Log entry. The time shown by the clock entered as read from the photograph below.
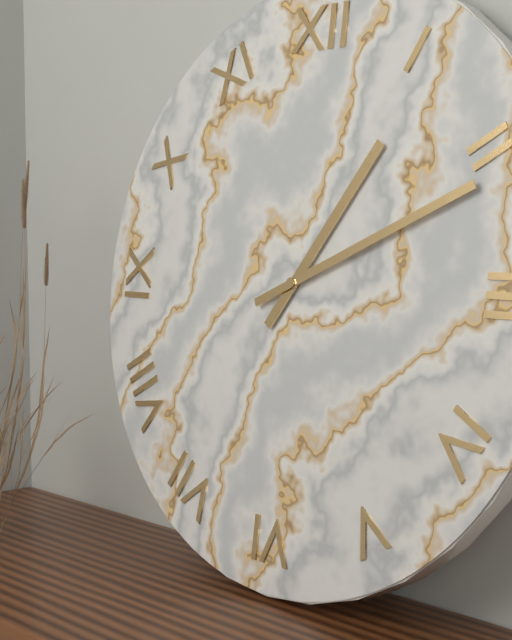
1:11
